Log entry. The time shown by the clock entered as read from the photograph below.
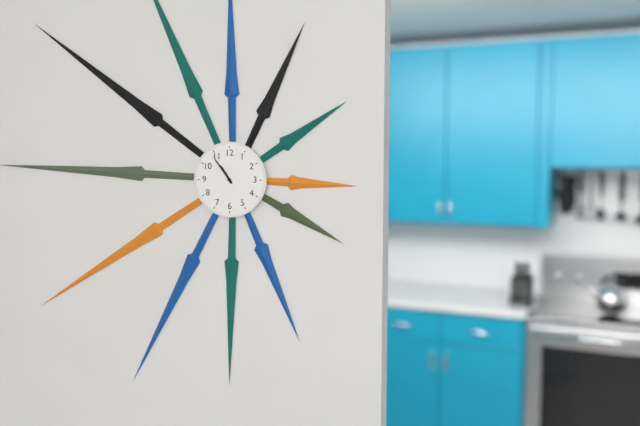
10:54
